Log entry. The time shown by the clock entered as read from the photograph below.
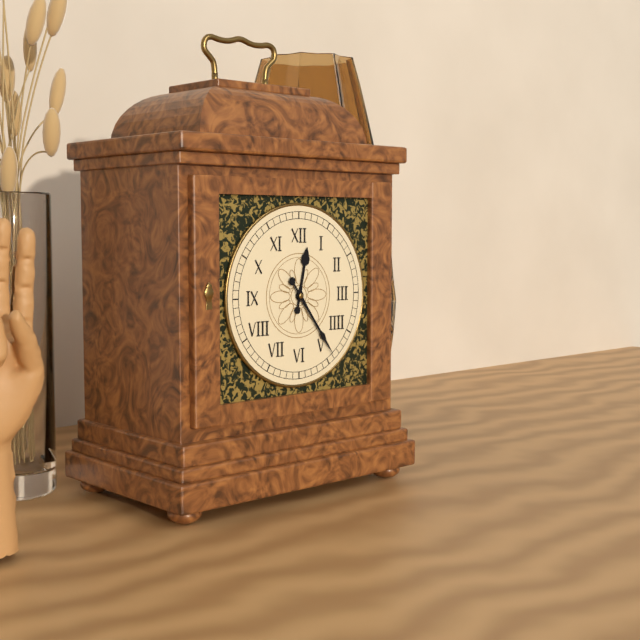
12:24
